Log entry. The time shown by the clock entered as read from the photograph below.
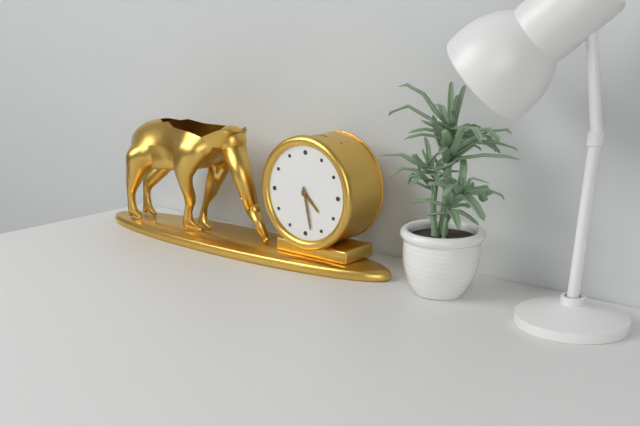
4:28
